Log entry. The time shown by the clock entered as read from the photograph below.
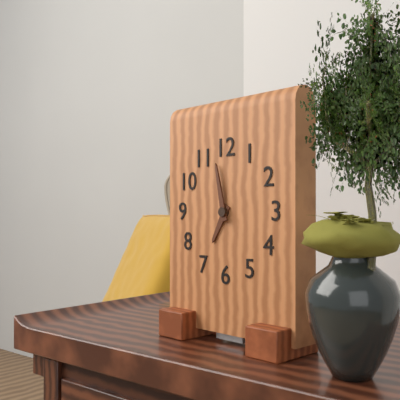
6:58
